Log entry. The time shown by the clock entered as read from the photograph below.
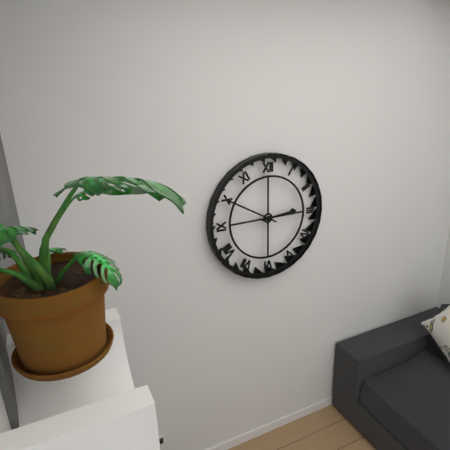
2:50
